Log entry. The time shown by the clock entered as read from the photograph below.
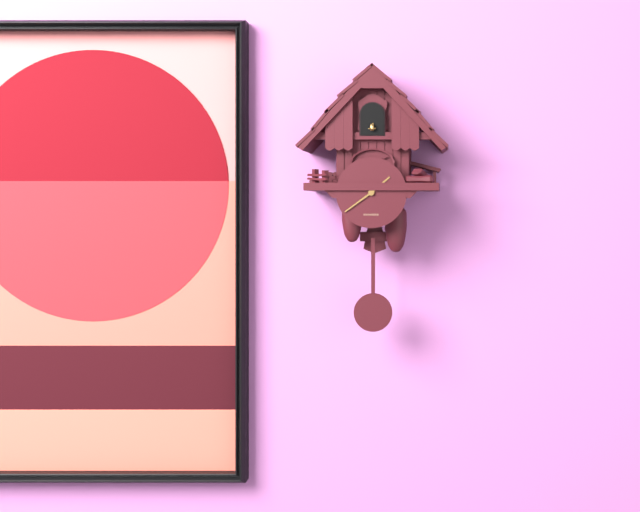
1:39
